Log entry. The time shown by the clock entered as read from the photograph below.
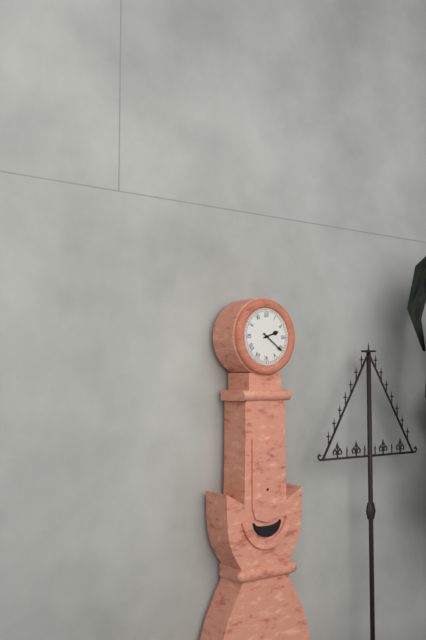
2:21
